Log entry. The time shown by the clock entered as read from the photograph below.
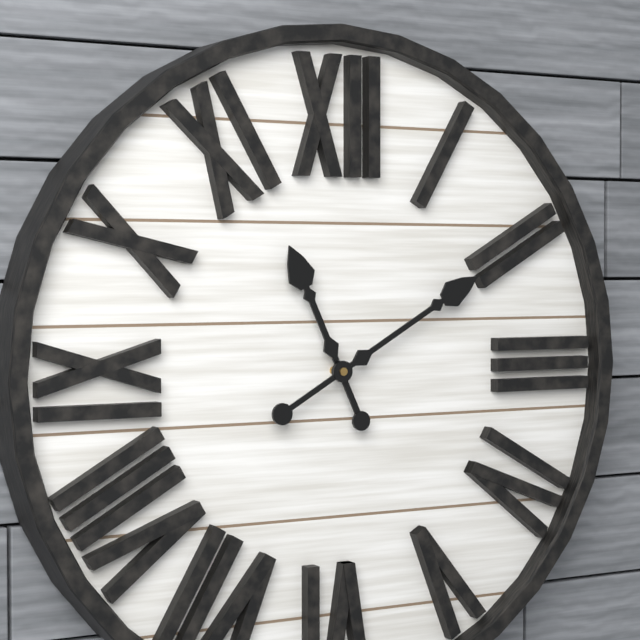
11:10
